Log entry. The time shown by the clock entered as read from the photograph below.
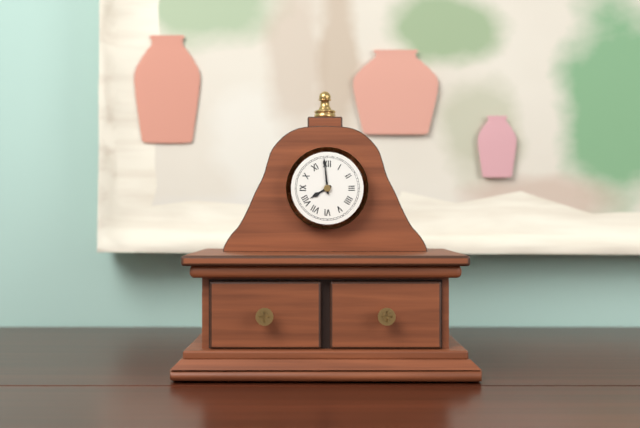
7:59
